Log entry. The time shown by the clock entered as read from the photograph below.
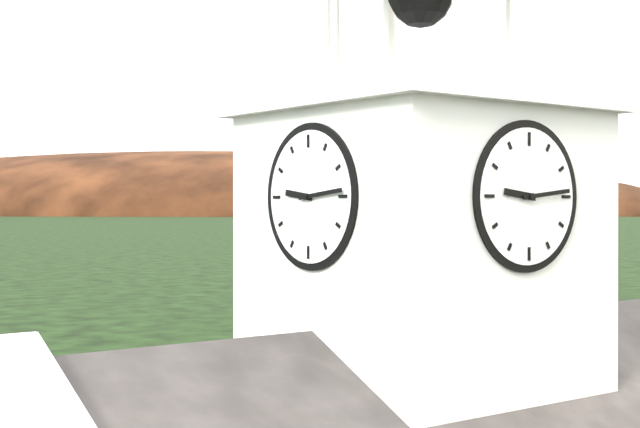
9:14
